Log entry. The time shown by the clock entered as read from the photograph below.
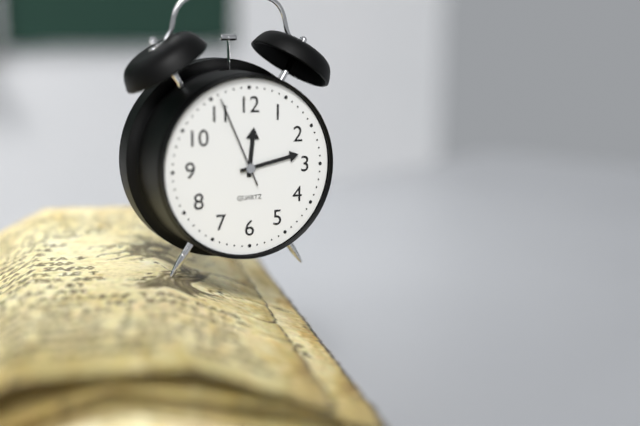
12:13:56
